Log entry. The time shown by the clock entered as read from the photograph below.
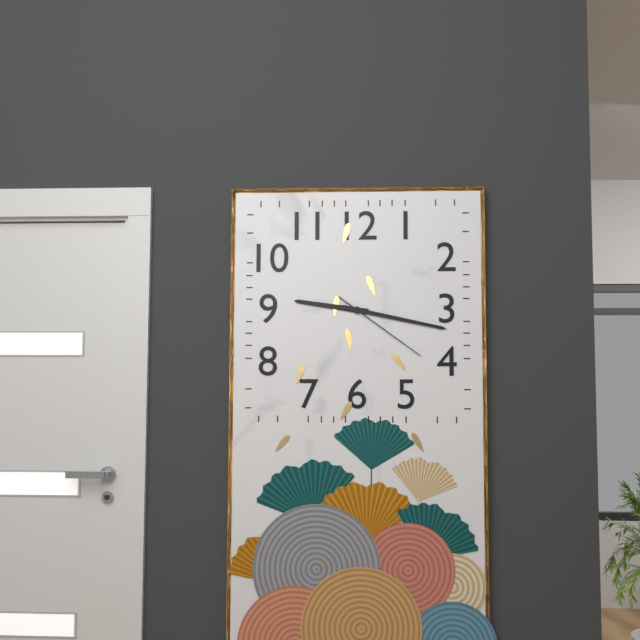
9:17:21
